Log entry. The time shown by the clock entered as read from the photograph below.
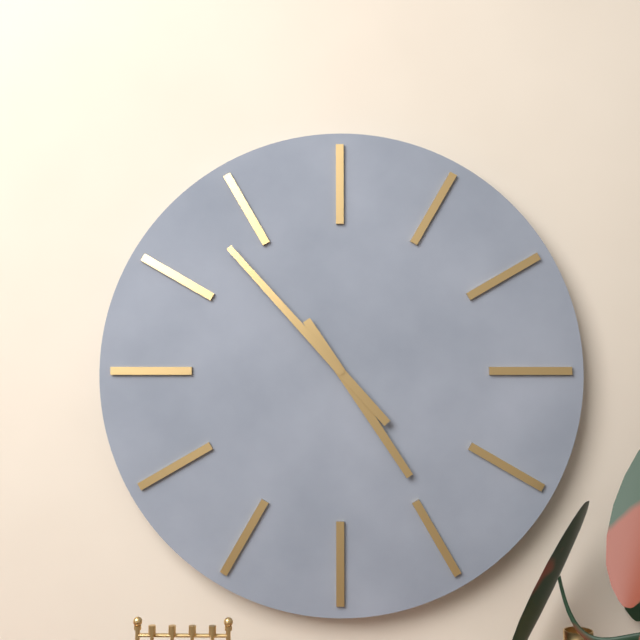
4:53
